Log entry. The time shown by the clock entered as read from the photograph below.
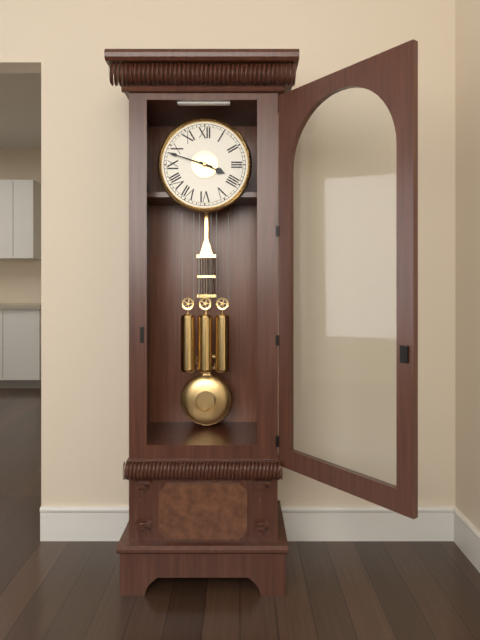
3:48
